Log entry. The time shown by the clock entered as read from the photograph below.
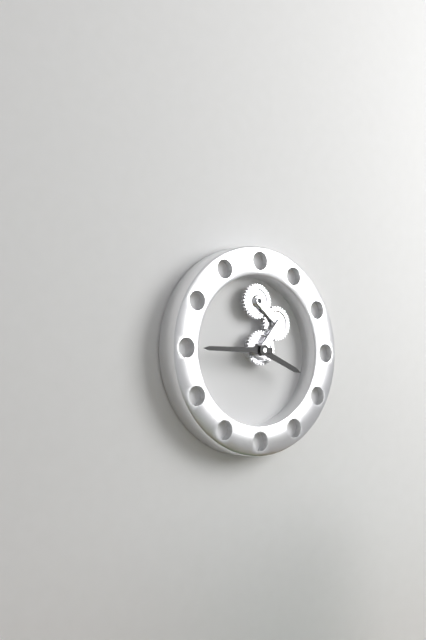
3:45
